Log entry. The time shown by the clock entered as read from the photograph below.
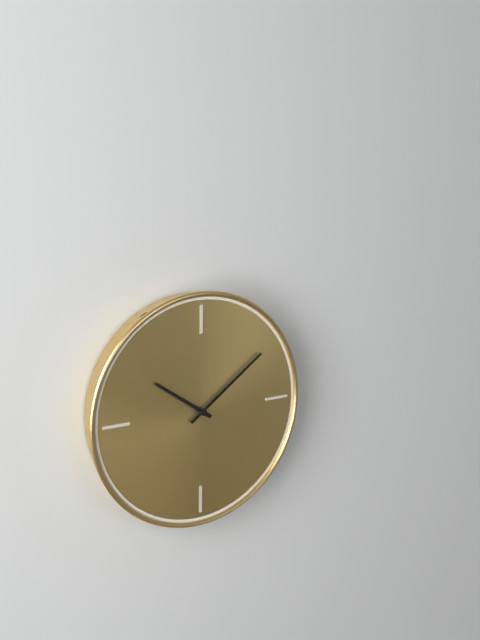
10:09
